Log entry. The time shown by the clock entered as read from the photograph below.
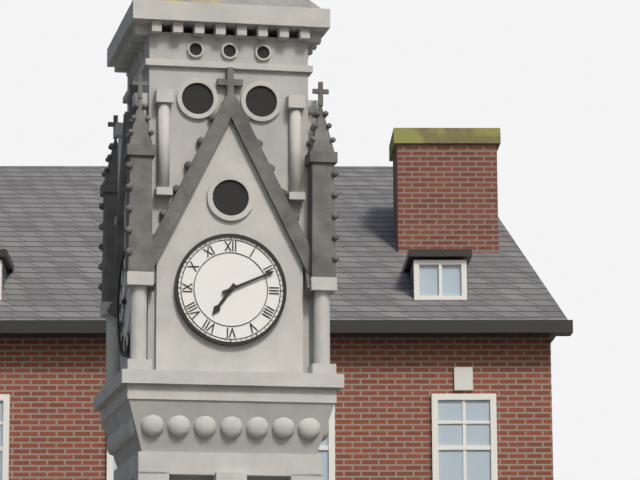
7:11
